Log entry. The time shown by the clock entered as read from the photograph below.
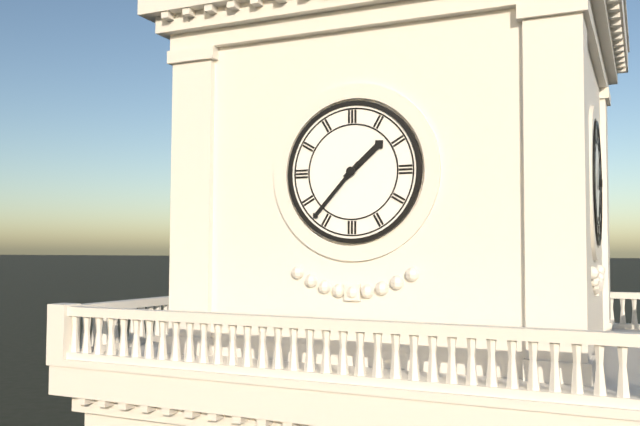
1:37
